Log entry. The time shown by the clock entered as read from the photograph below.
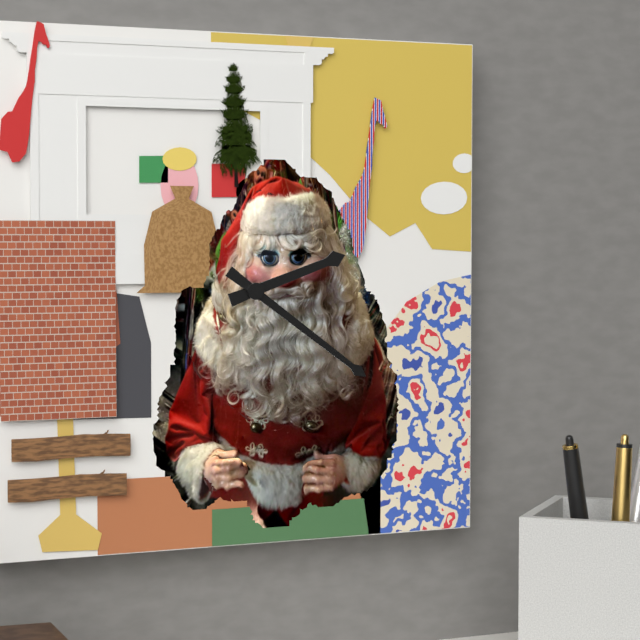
2:21
